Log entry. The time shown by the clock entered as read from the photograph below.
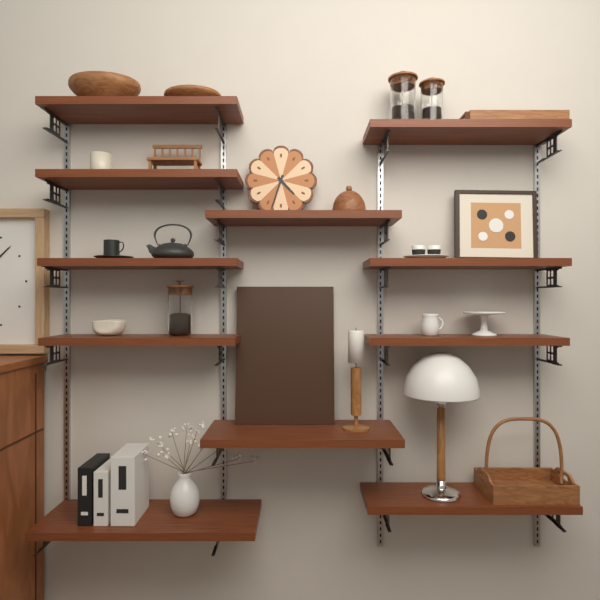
4:33
